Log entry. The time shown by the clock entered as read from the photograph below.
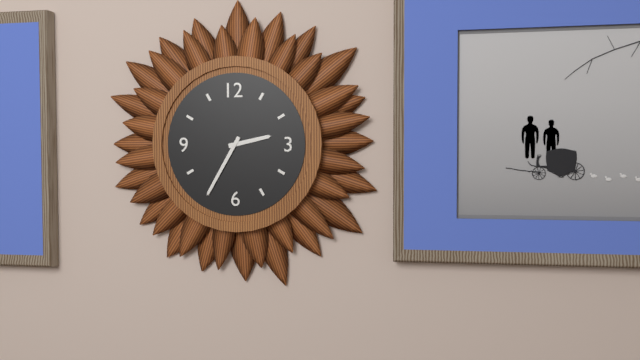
2:35
